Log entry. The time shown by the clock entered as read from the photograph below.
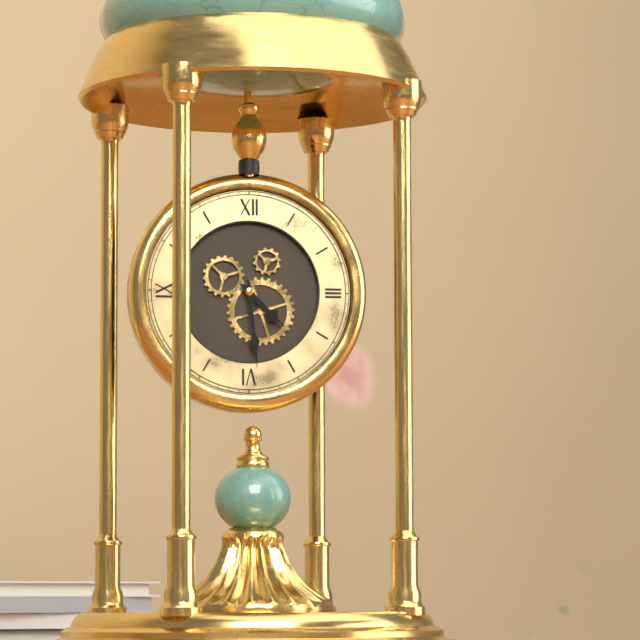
4:29
